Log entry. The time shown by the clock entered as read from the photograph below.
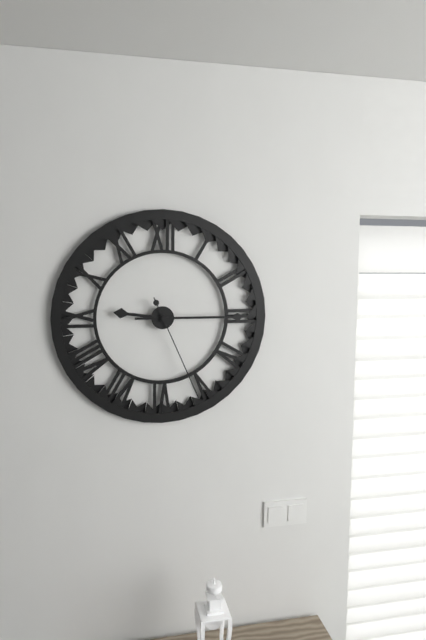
9:15:26
